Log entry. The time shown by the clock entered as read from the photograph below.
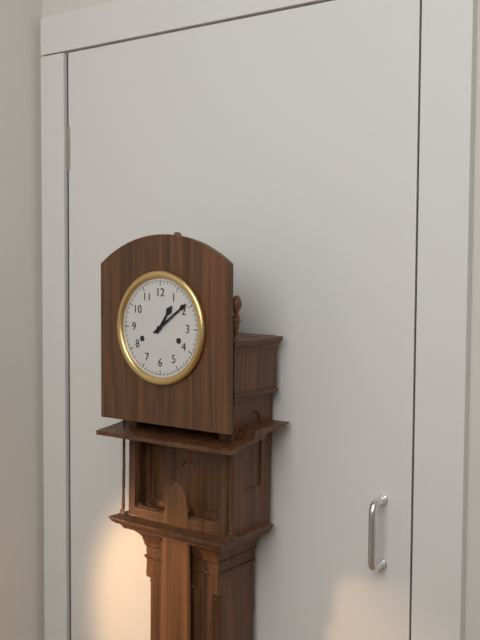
1:09
